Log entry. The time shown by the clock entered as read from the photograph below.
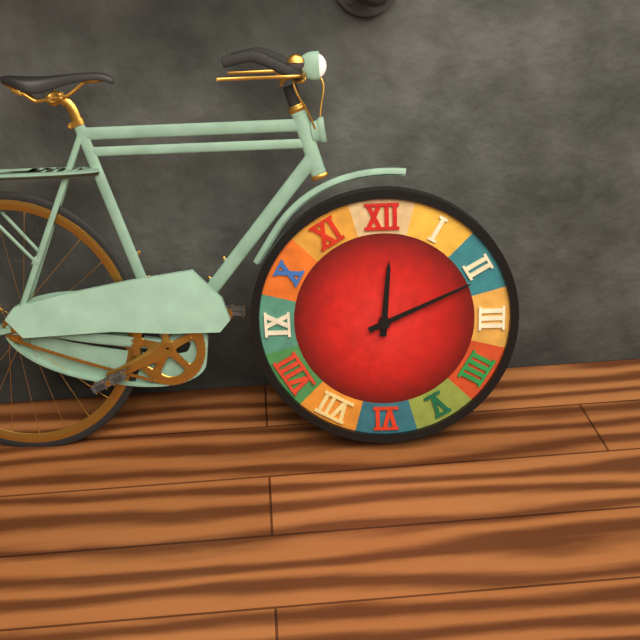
12:11
